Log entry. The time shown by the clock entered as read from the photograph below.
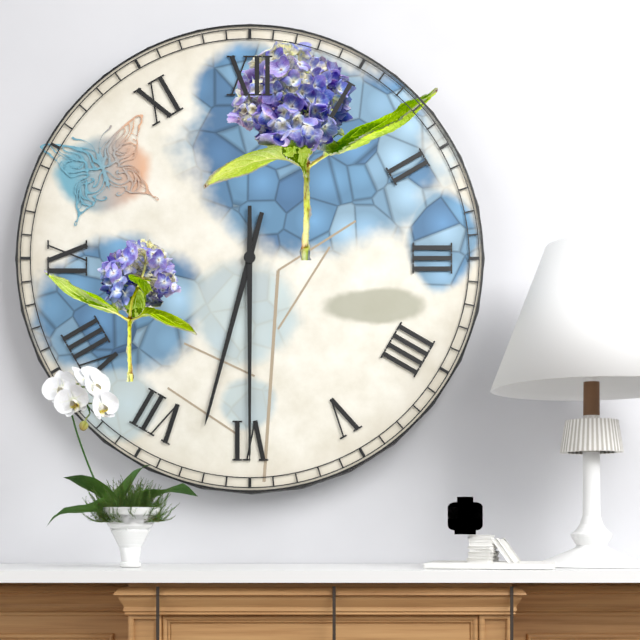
6:30
